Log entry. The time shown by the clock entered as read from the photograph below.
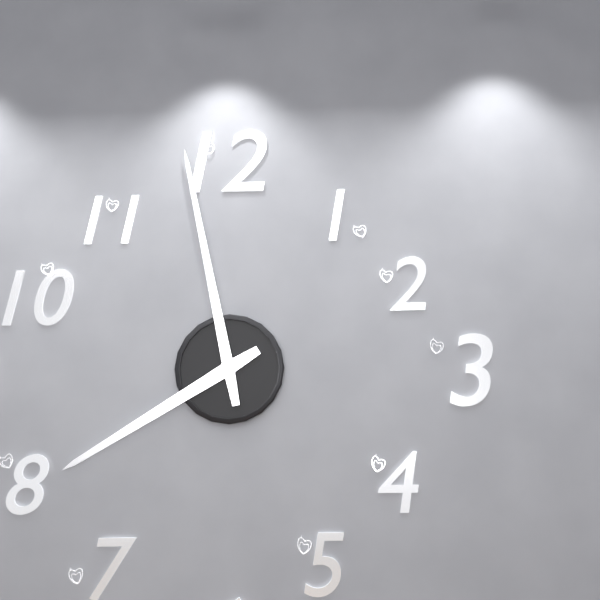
7:58
